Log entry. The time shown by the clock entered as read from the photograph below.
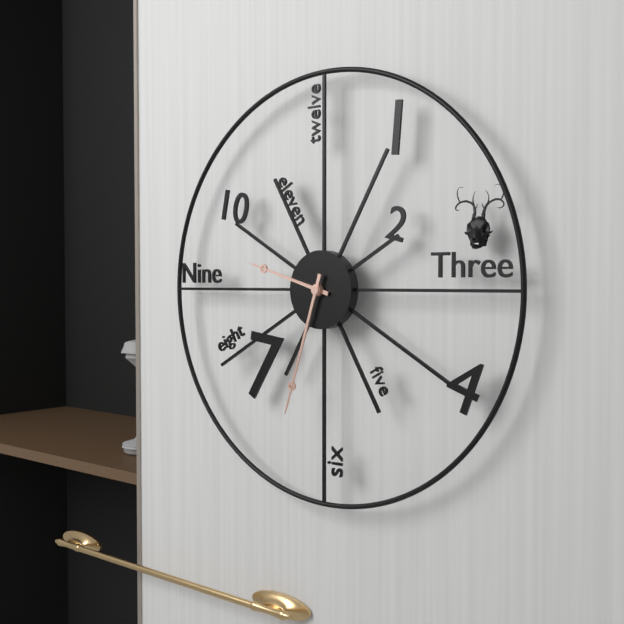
9:33
